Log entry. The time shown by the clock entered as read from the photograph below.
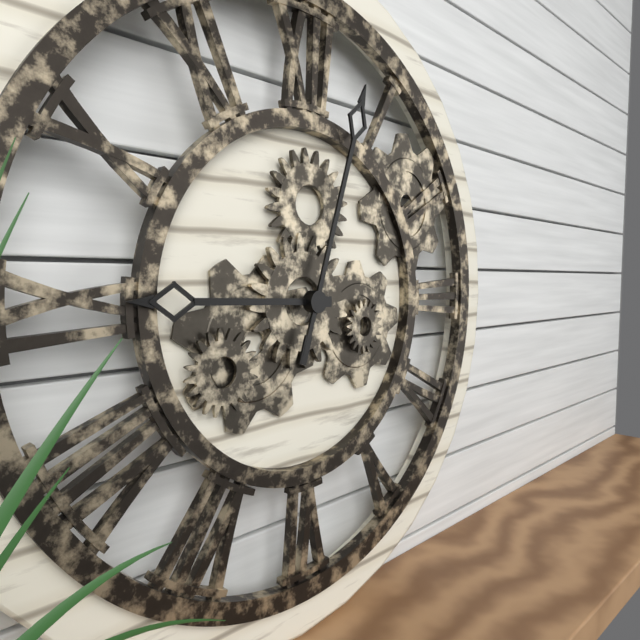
9:03
